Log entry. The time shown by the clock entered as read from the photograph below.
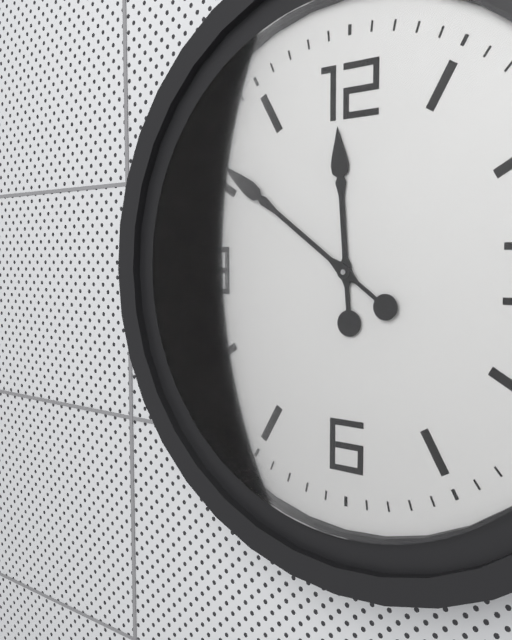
11:51
